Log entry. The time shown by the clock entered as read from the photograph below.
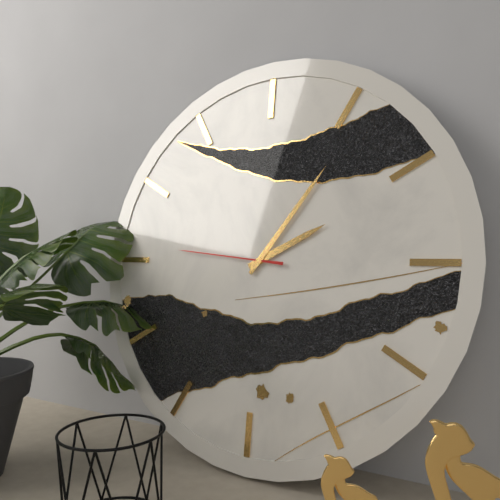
2:06:46
